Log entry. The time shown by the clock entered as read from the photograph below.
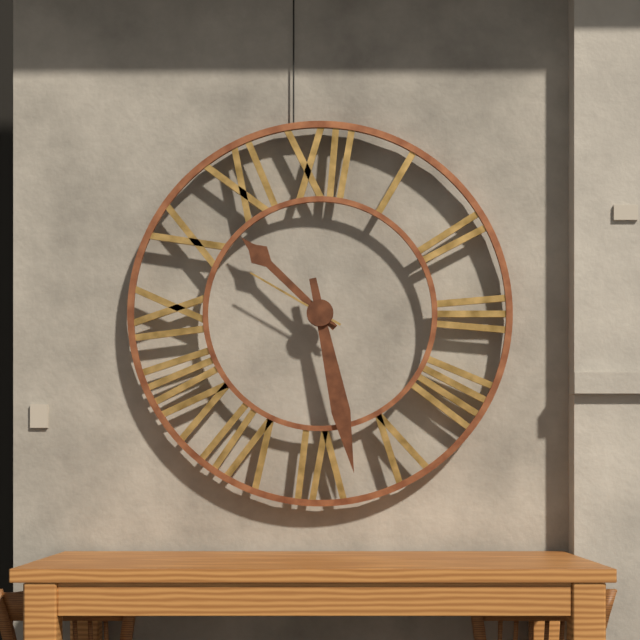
10:28:50
